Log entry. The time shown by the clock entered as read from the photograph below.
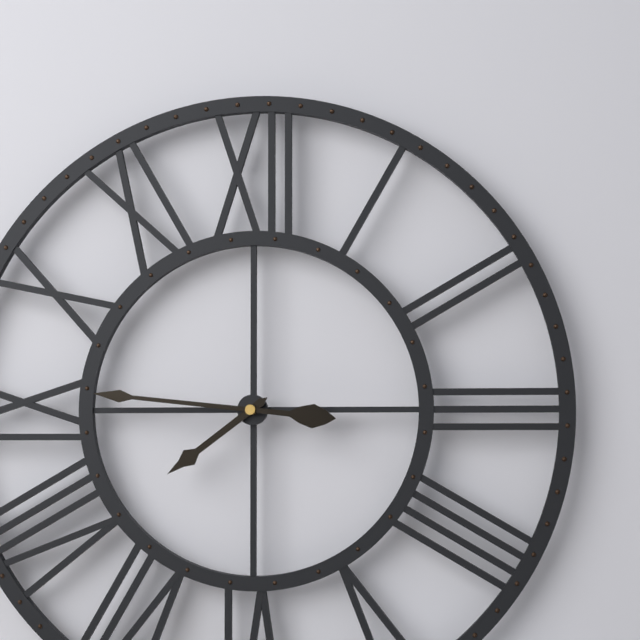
7:46
